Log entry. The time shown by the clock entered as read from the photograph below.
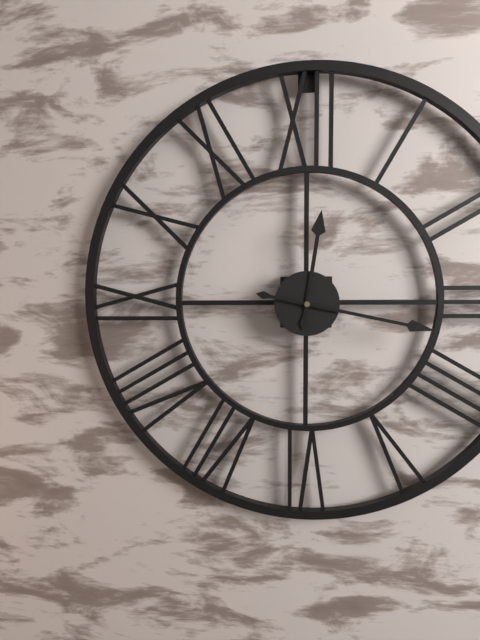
12:17
